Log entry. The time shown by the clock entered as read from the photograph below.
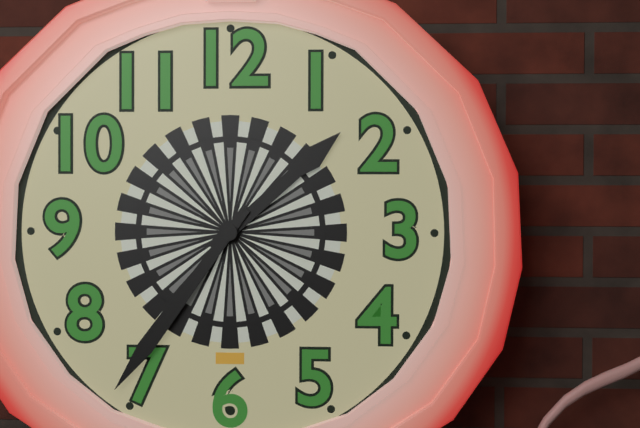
1:36
